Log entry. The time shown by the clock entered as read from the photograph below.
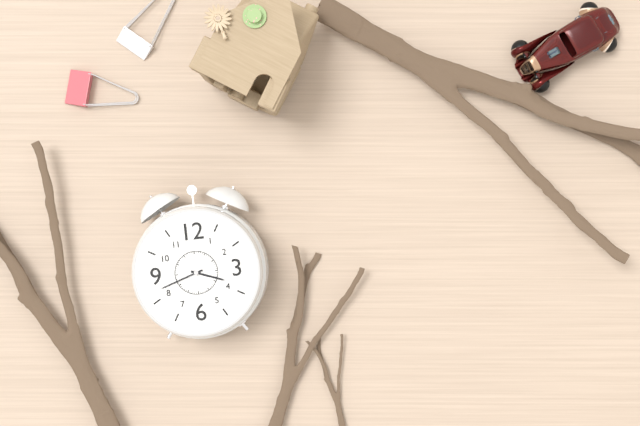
3:42
